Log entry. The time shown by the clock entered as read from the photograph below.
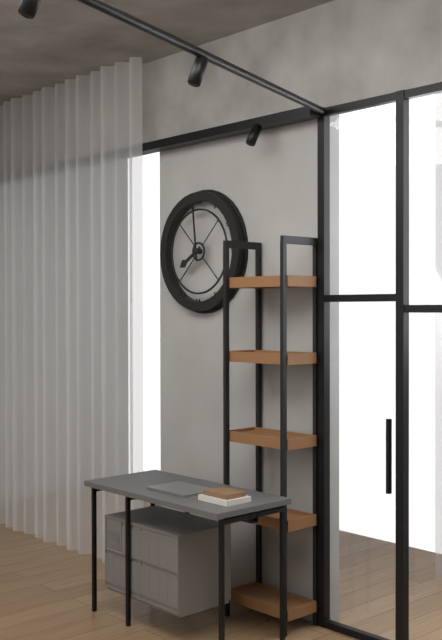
7:59
